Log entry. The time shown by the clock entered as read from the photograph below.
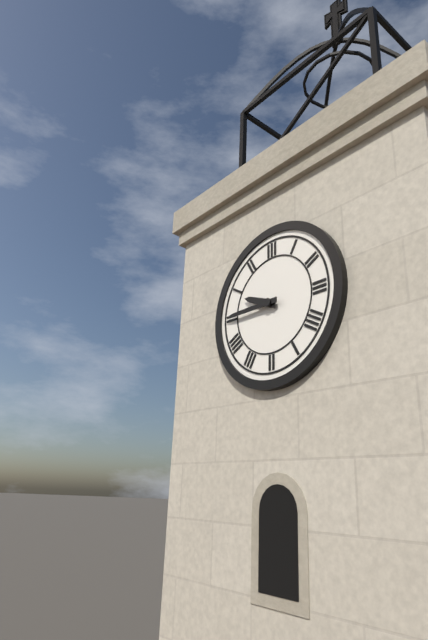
9:45
